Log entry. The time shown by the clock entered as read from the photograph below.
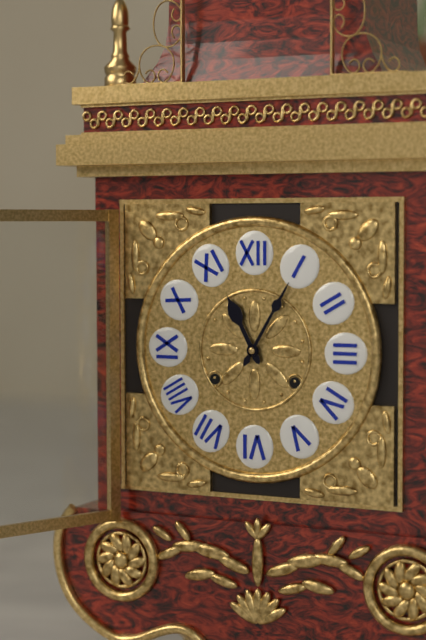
11:05
